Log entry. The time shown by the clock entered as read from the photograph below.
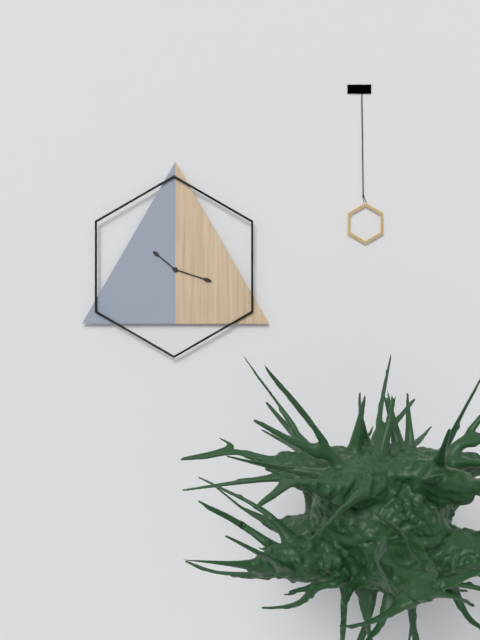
10:18
